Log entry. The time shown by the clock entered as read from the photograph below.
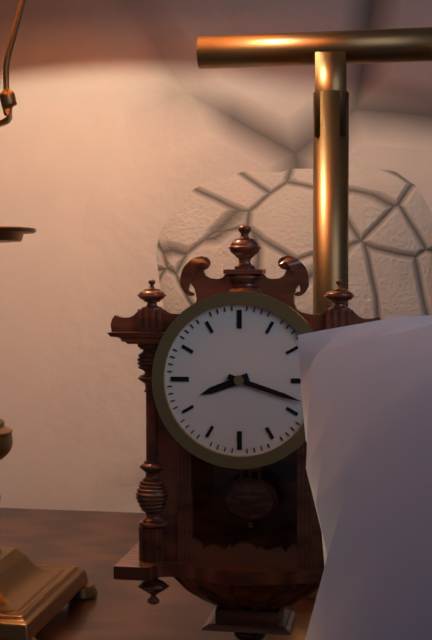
8:18
